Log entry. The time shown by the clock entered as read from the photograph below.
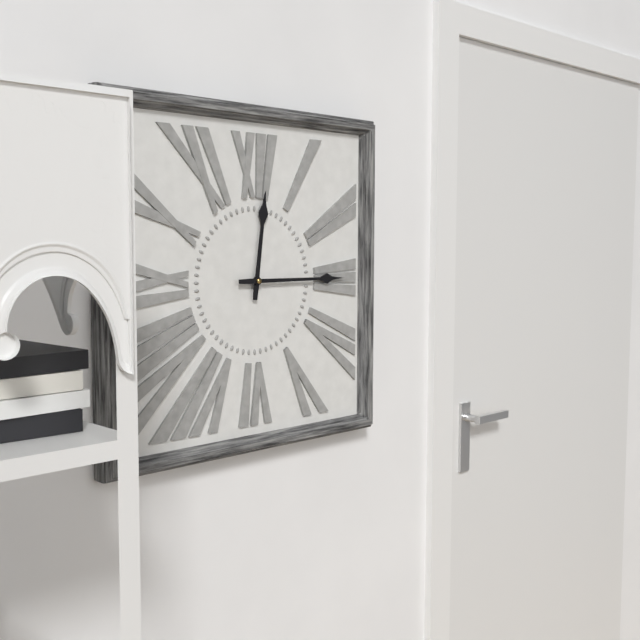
12:15
